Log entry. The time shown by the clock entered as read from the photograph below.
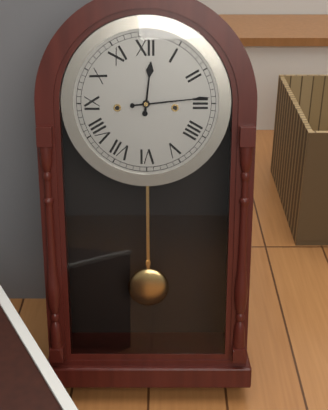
12:14
